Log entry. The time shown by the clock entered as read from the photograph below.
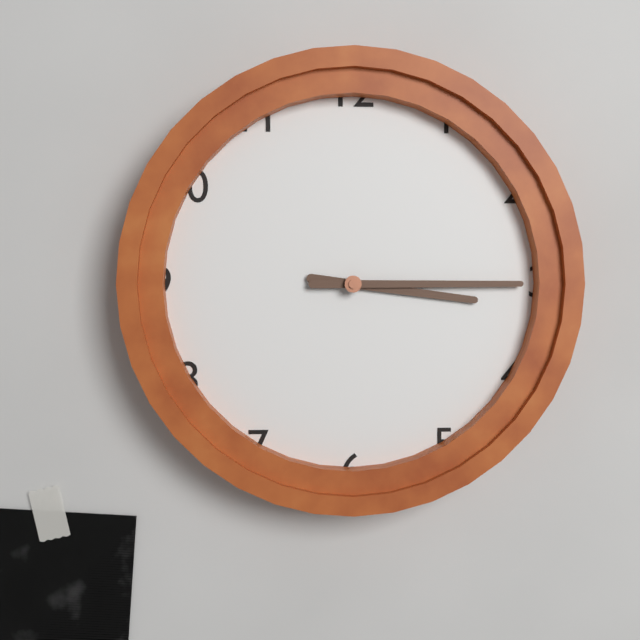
3:15
